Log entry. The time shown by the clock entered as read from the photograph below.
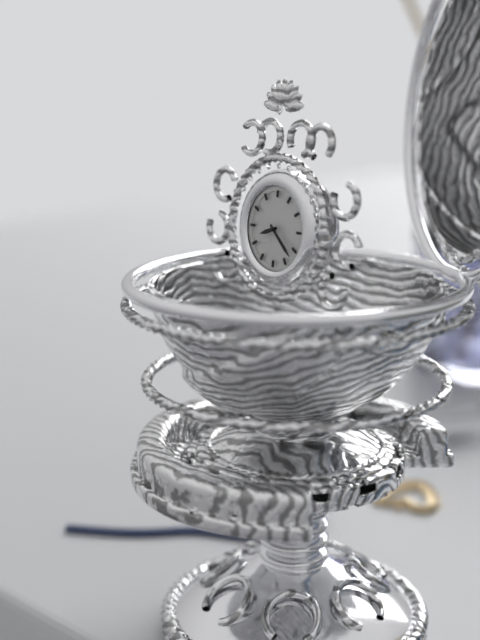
8:22
